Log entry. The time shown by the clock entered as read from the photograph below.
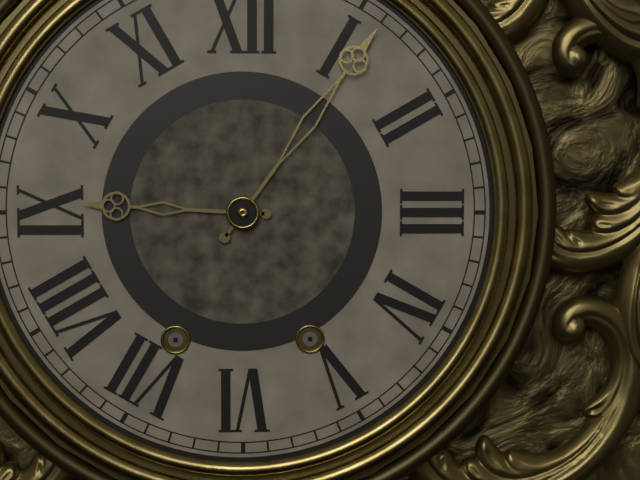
9:06
